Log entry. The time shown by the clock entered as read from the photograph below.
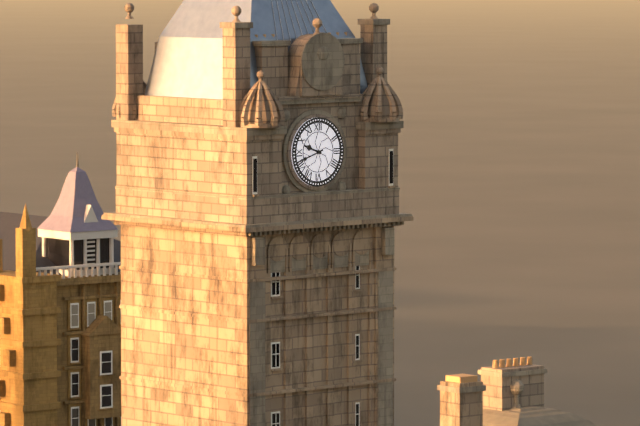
9:42
